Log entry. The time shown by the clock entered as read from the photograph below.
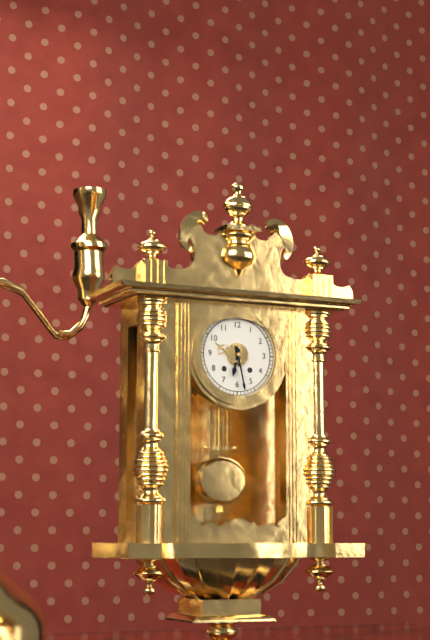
6:28
